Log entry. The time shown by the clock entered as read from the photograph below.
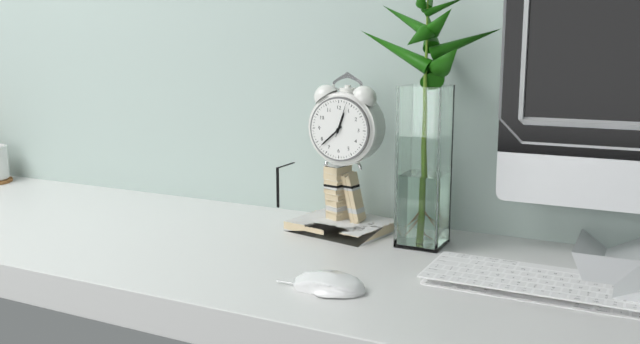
12:38
